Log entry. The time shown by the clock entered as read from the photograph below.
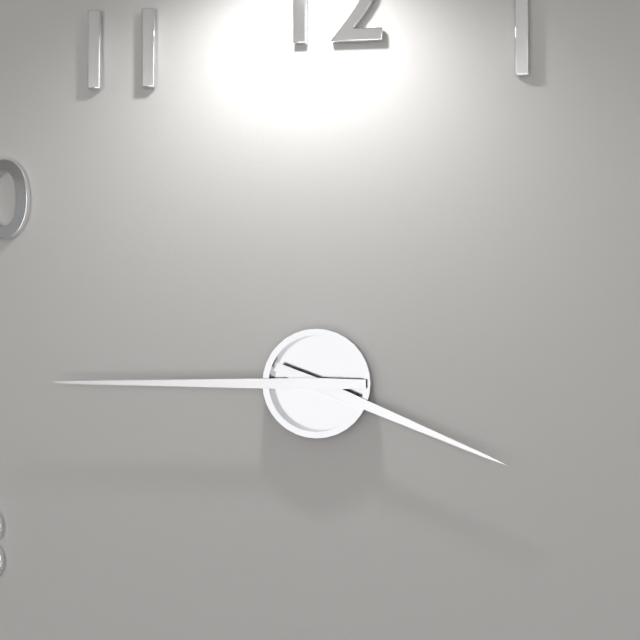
3:45
